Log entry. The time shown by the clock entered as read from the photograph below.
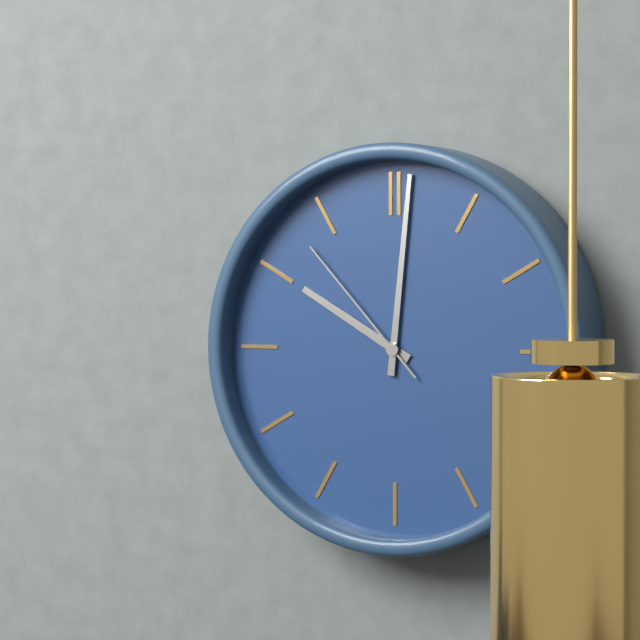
10:01:53
